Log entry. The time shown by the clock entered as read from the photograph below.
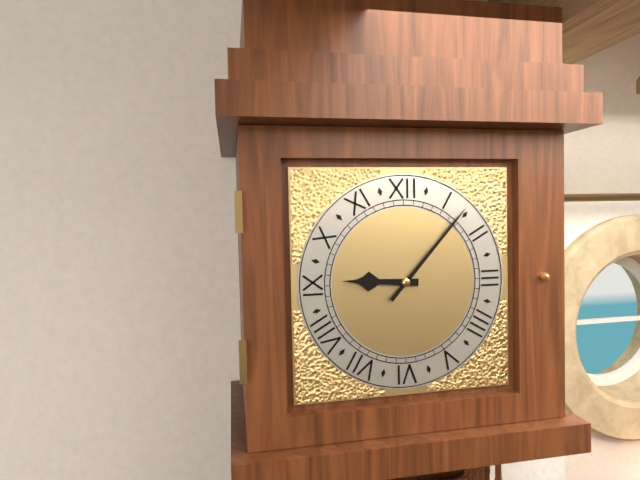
9:07
